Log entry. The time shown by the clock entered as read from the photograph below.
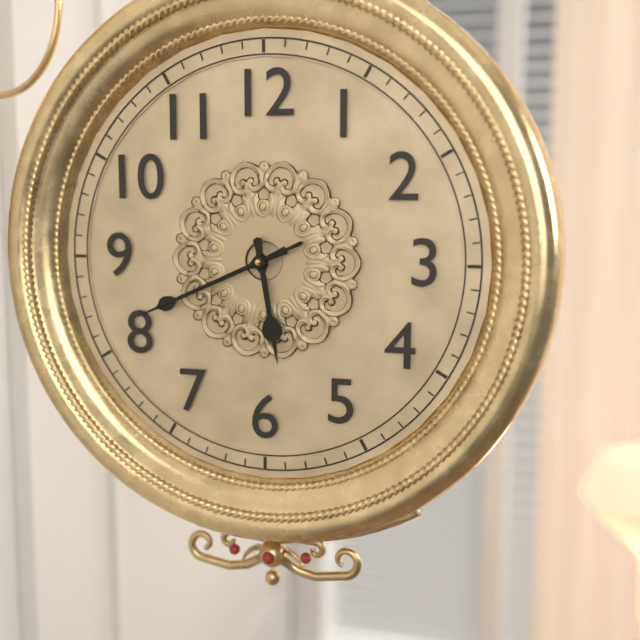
5:41:41
